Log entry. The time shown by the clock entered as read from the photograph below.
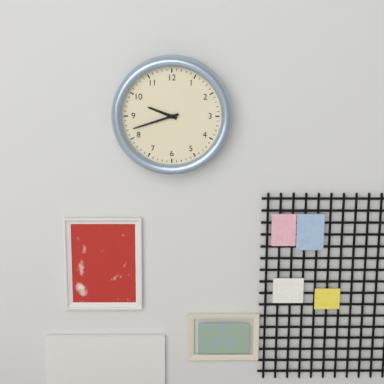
9:42
